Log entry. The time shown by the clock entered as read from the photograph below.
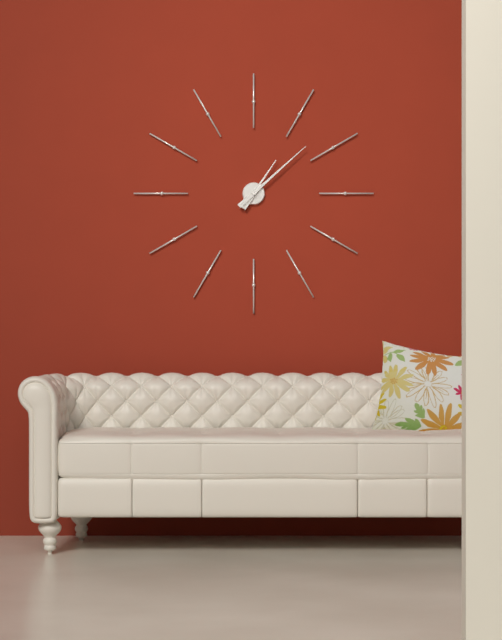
1:08
